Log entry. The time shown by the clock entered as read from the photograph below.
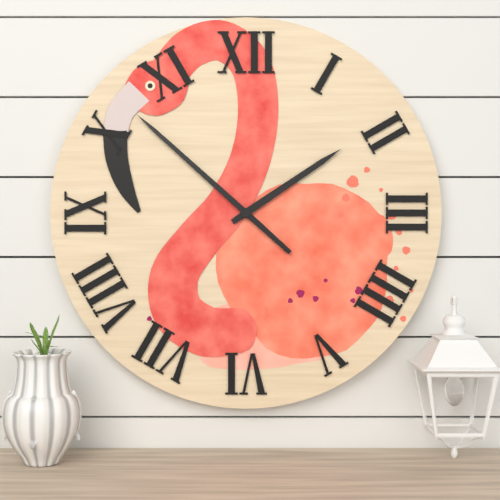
1:52
